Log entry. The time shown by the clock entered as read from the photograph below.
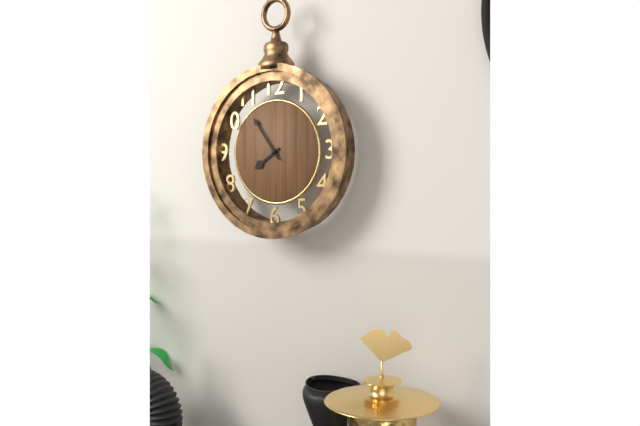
7:54
